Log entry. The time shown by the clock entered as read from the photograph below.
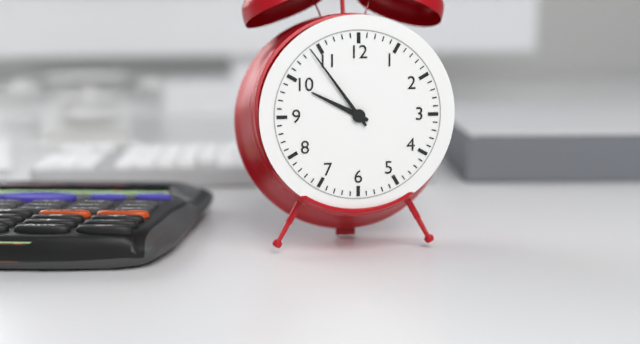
9:54
